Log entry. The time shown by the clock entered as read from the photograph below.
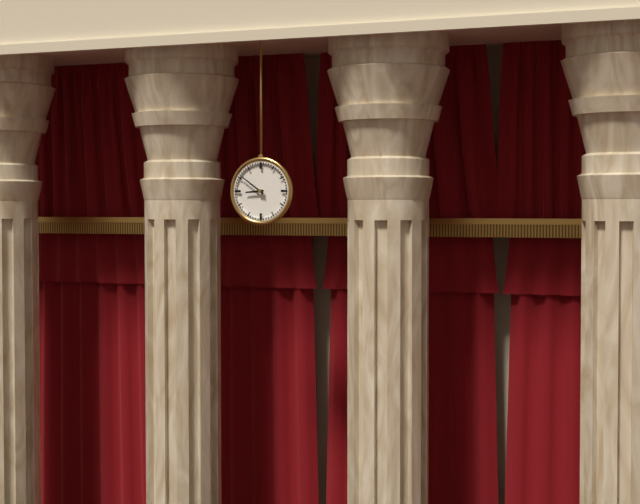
8:51
